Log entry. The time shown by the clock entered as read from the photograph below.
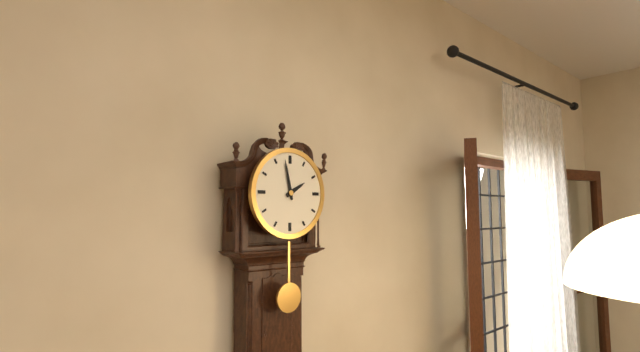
1:58
